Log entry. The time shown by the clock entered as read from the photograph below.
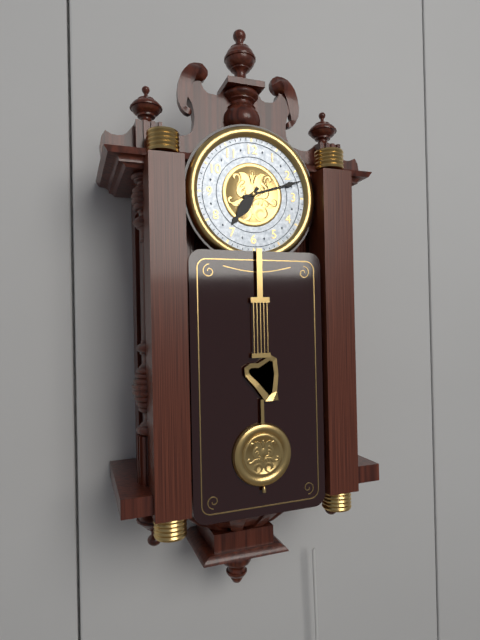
7:12
